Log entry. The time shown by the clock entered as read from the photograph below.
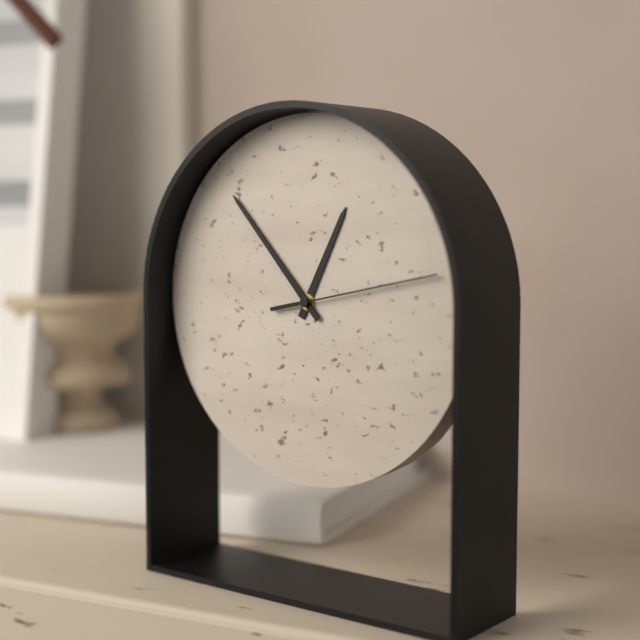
12:53:13
